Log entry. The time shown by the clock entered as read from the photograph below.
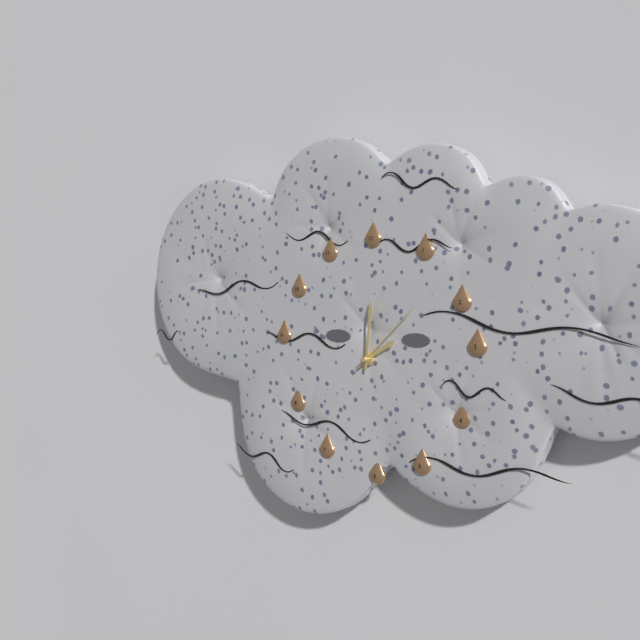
2:01:08
